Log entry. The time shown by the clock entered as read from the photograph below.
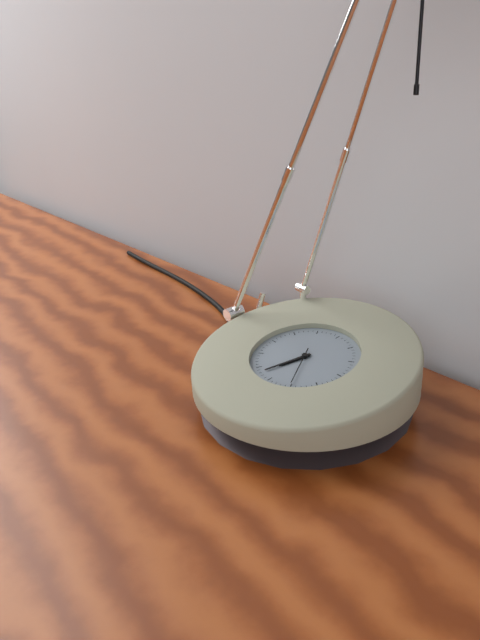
6:33
